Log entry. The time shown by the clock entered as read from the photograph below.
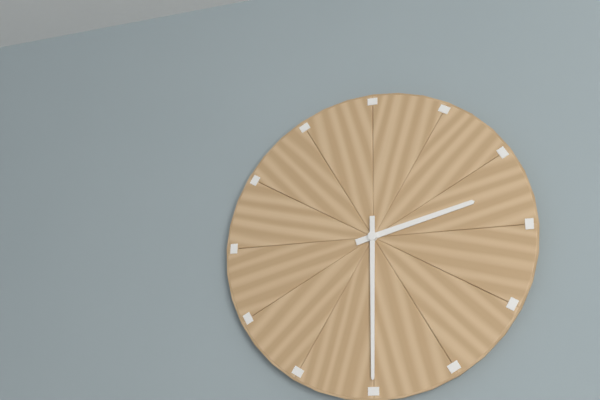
2:30
